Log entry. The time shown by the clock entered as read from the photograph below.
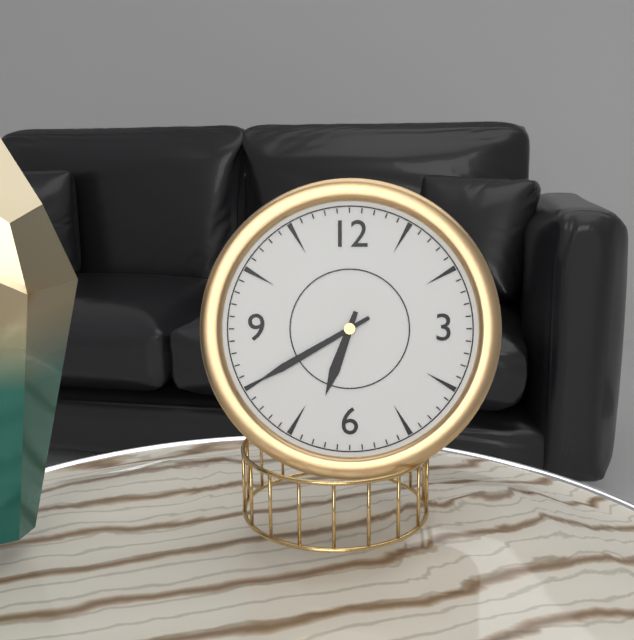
6:40
